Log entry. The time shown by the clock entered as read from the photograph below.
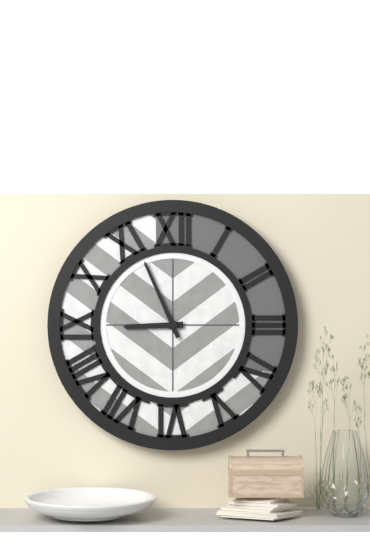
8:56
